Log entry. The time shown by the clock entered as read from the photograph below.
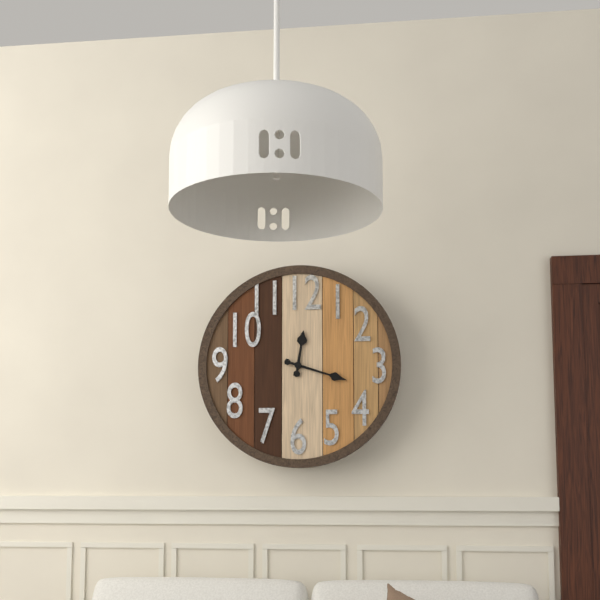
12:18
